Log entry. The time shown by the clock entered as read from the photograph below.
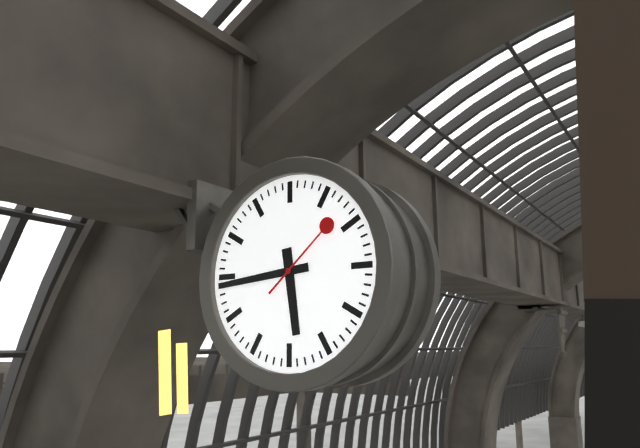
5:44:08
